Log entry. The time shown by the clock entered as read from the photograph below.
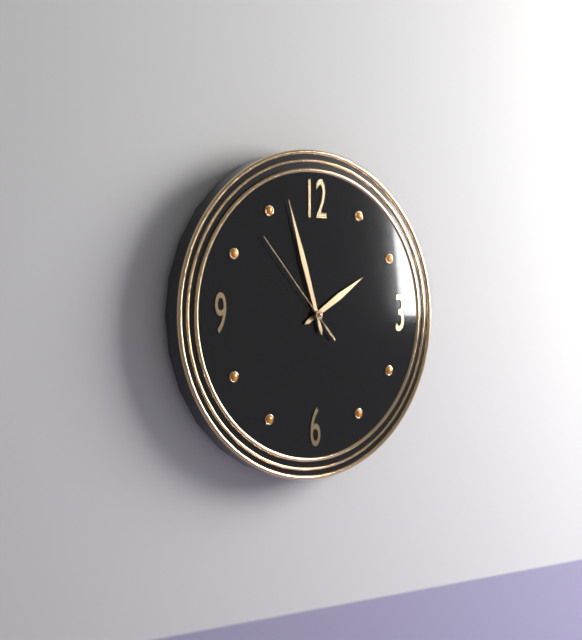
1:57:53
